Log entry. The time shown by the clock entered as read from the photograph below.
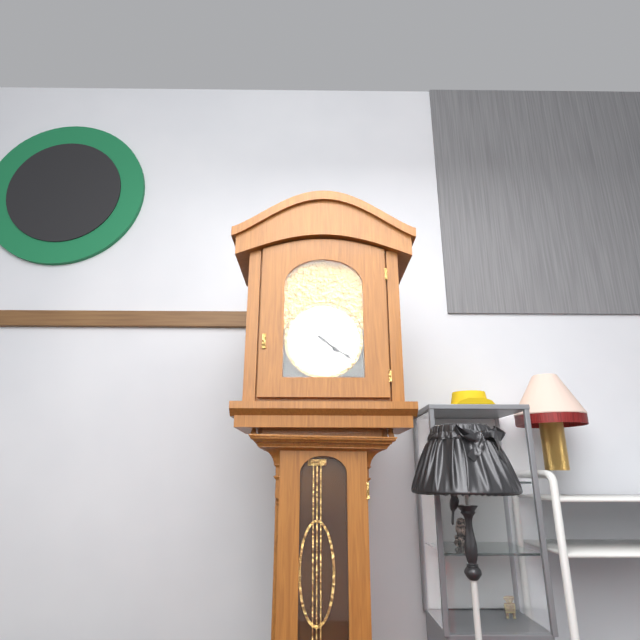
4:21
